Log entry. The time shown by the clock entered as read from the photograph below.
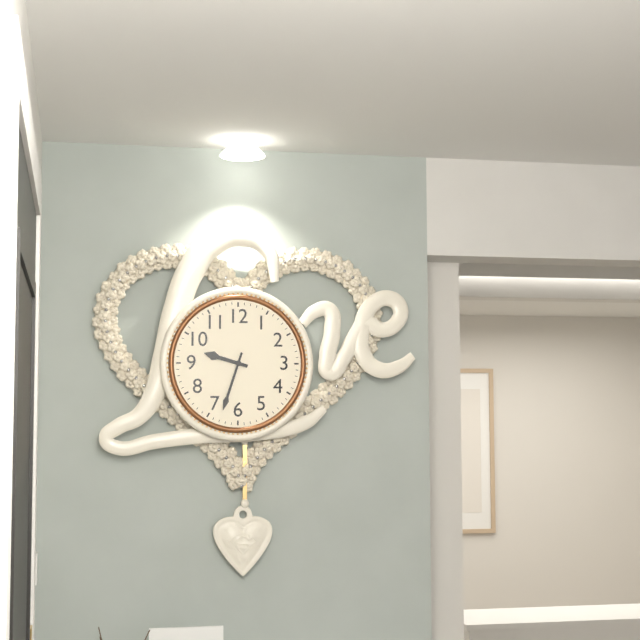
9:33
